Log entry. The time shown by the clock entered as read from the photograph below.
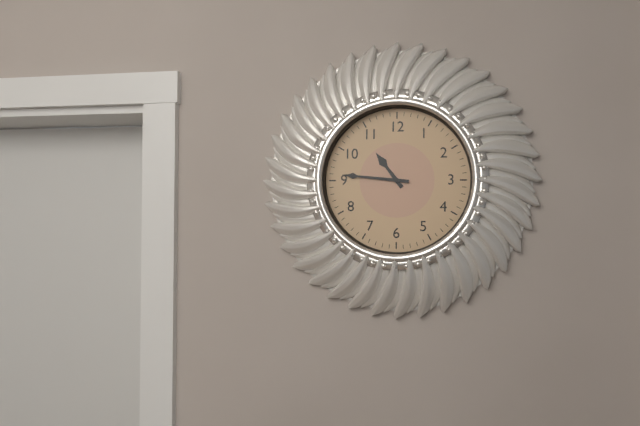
10:46
